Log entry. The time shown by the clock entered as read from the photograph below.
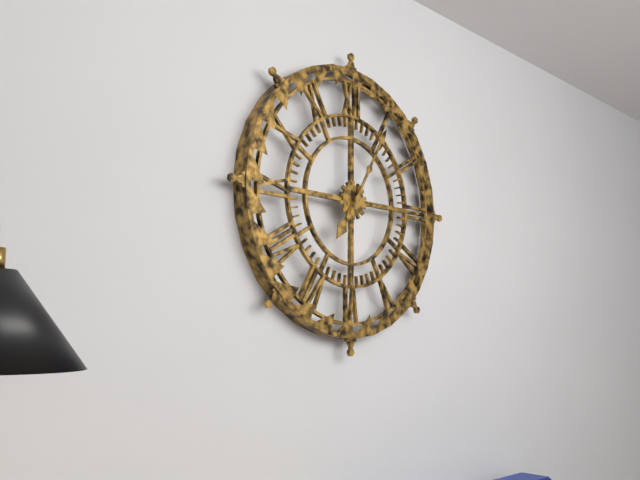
7:05
